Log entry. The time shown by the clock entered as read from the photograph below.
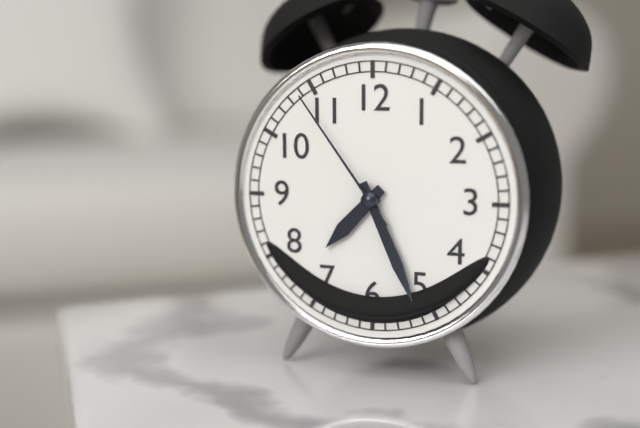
7:26:54
